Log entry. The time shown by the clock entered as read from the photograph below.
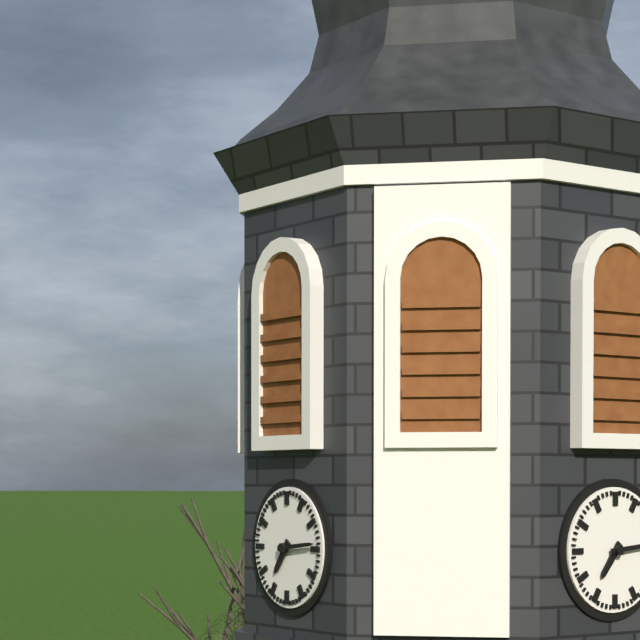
7:14
